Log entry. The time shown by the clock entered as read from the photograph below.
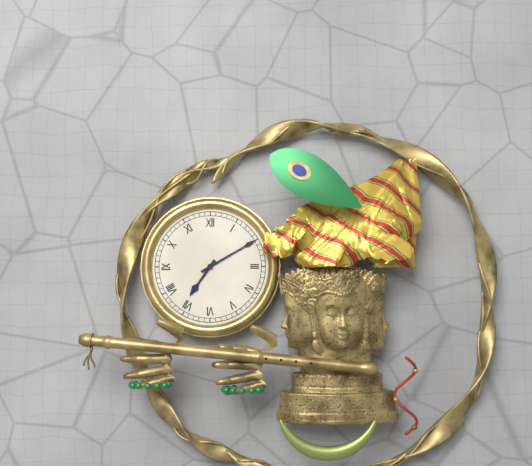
7:10
